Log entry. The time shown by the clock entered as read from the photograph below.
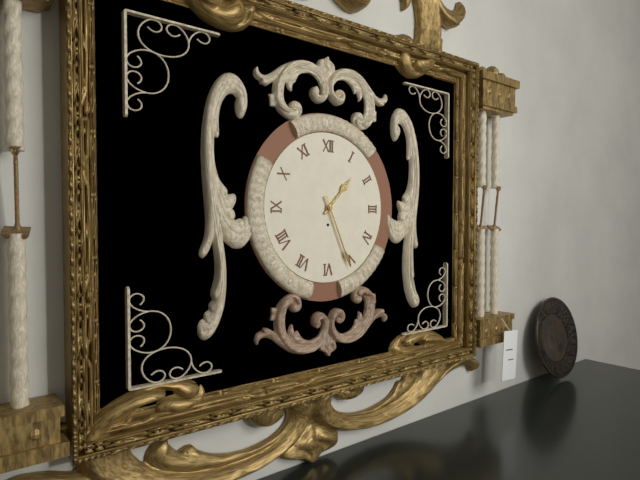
1:26
